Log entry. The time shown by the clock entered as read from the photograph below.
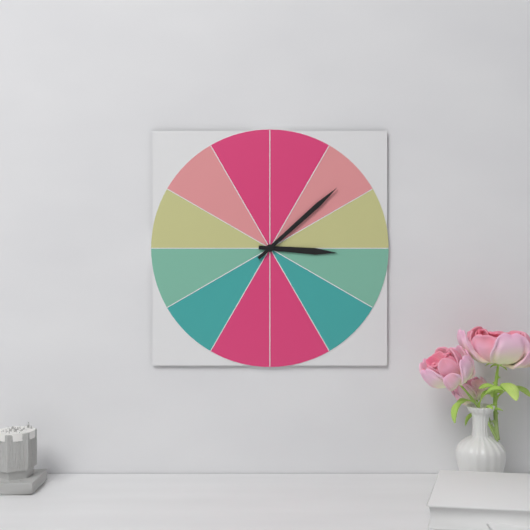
3:08
